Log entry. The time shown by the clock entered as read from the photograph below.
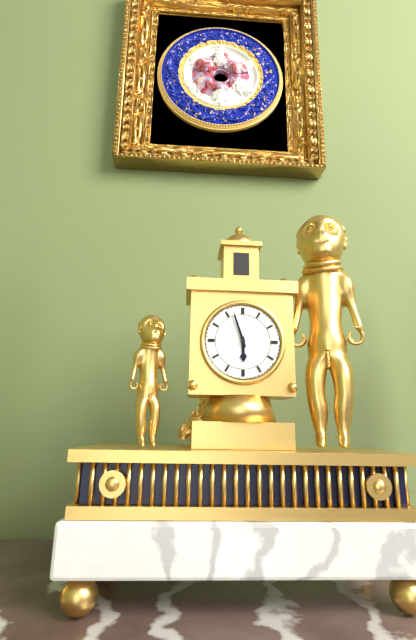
5:57
